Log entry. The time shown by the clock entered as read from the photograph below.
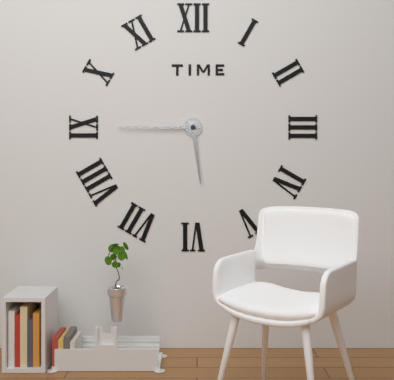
5:45
